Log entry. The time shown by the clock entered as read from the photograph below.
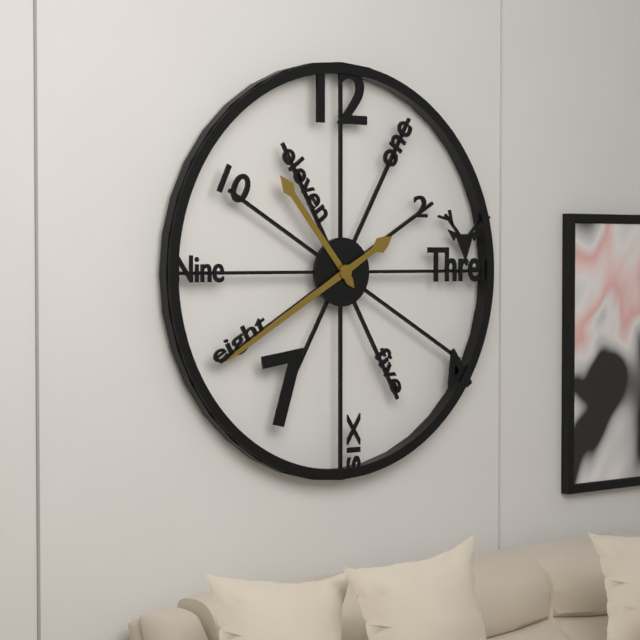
10:40
